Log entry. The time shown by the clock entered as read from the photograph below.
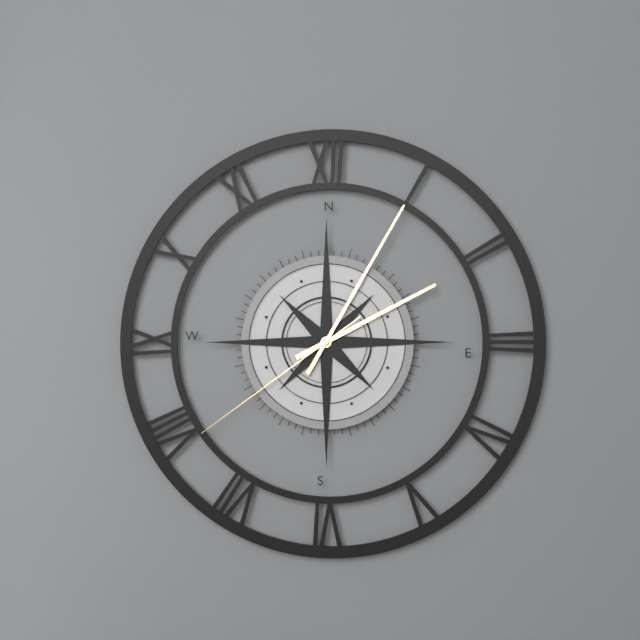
2:05:39
